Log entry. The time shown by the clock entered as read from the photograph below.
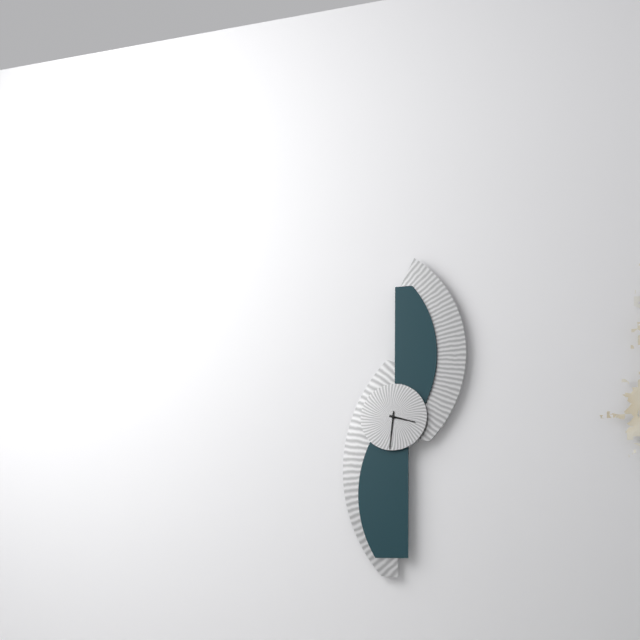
3:31
